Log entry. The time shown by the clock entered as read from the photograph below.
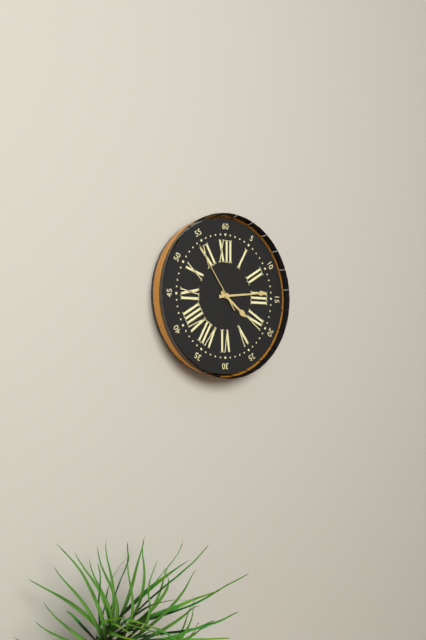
4:14:54
